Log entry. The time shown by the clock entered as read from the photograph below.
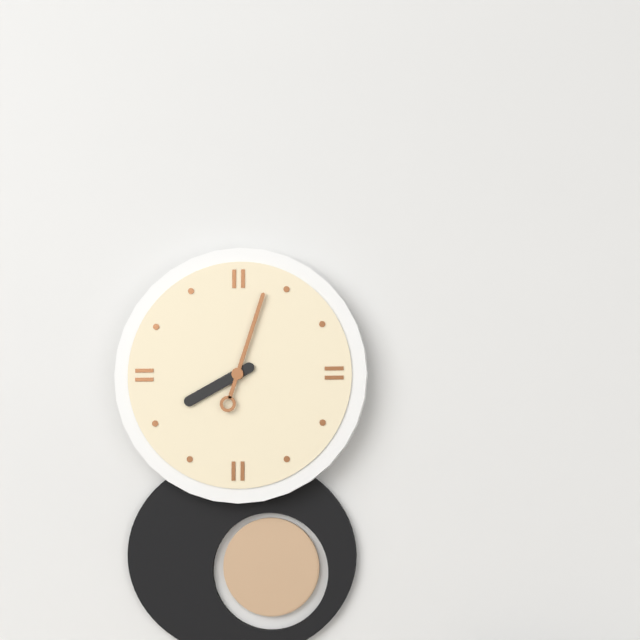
8:03
